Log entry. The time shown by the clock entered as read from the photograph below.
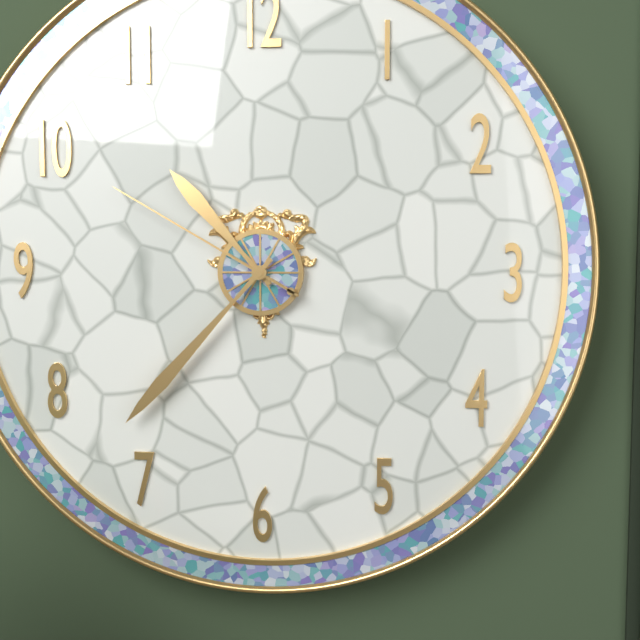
10:37:50
